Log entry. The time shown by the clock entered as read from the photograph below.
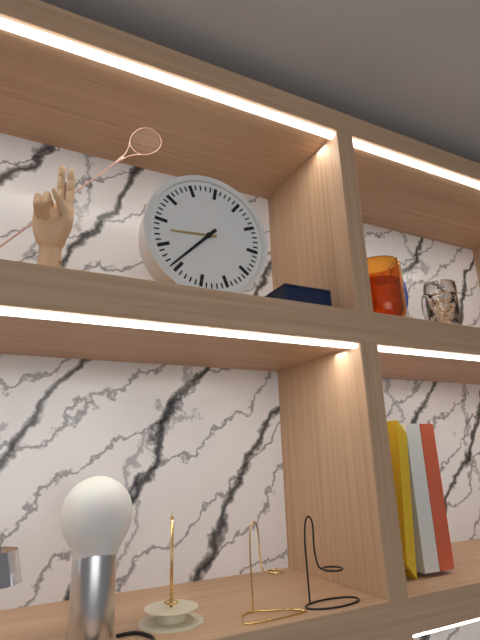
8:36
